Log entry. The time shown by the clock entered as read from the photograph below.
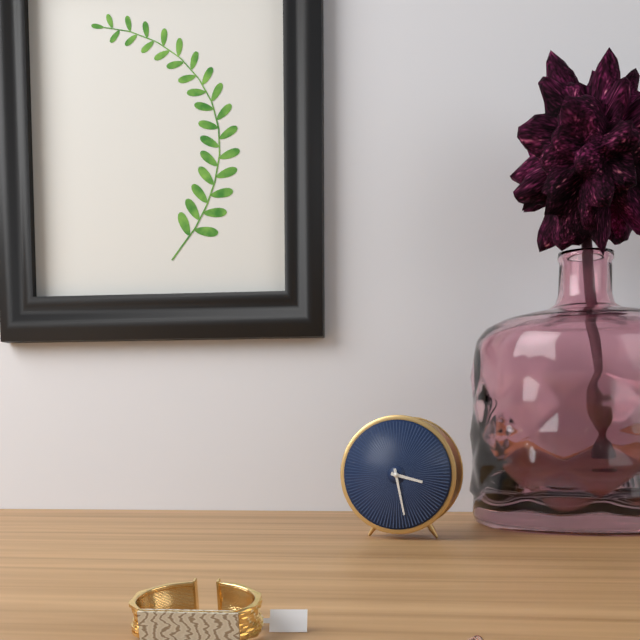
3:28
